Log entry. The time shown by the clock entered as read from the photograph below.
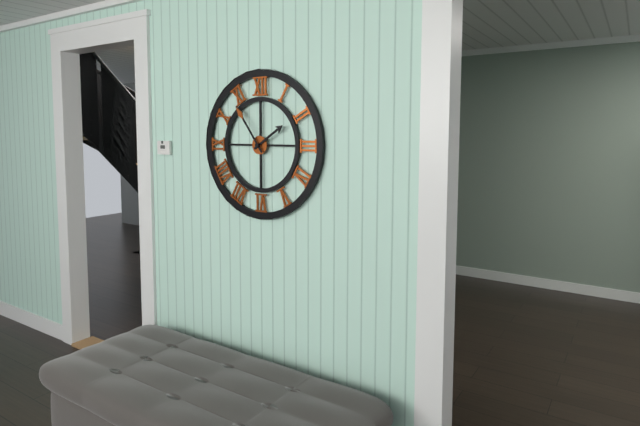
1:54
